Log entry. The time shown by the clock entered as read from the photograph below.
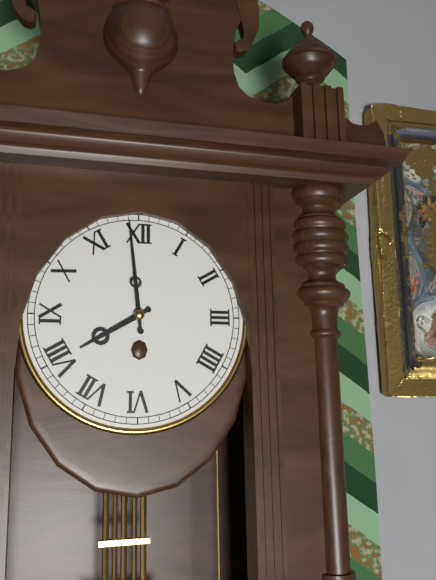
7:59
